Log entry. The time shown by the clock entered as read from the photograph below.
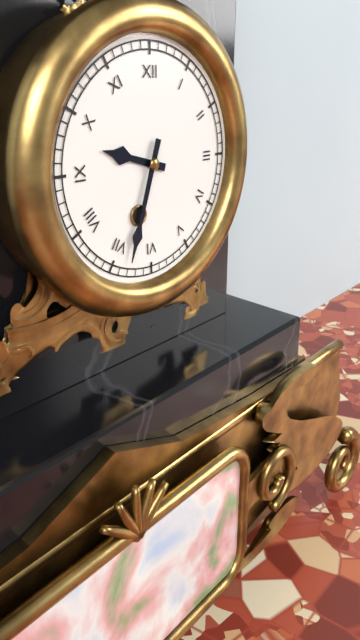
9:33
